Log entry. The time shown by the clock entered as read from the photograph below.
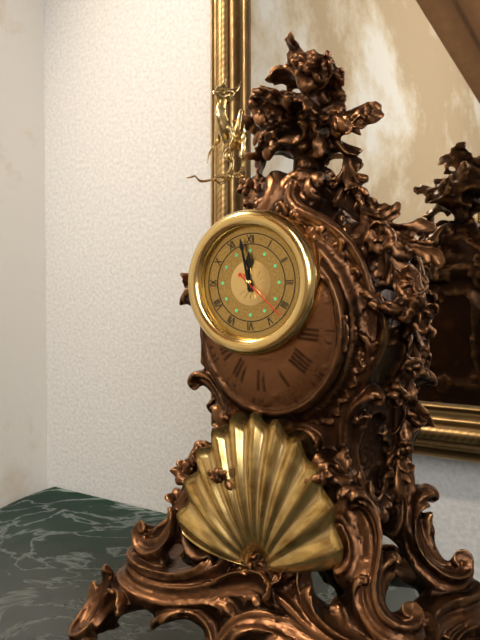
11:58:22
